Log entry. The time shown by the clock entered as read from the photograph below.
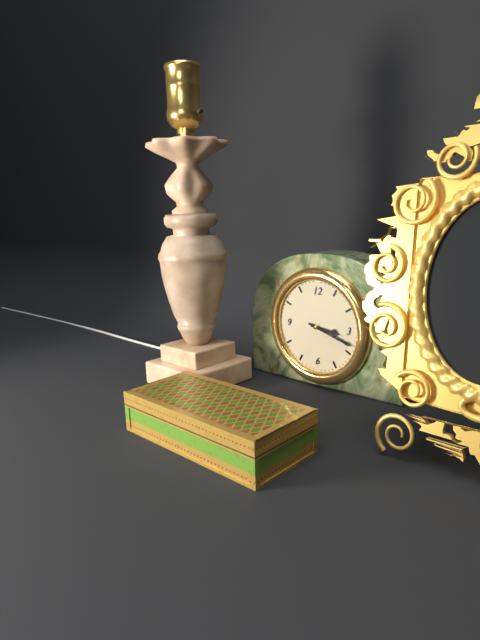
3:18
